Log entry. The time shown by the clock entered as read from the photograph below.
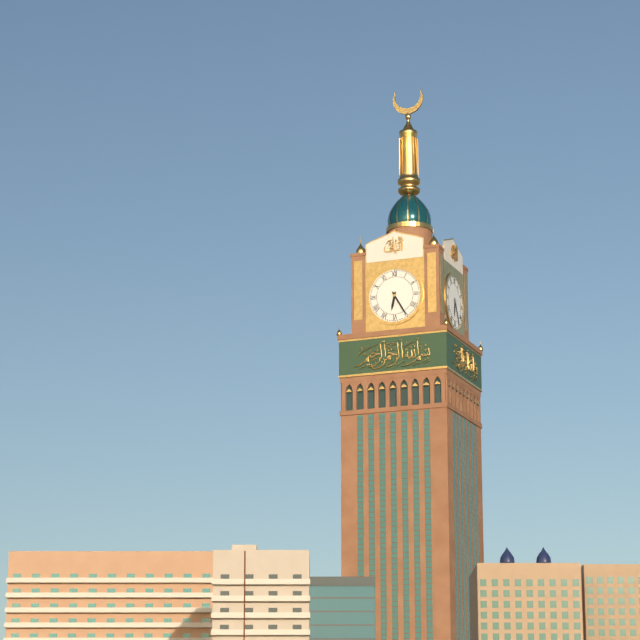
6:25
